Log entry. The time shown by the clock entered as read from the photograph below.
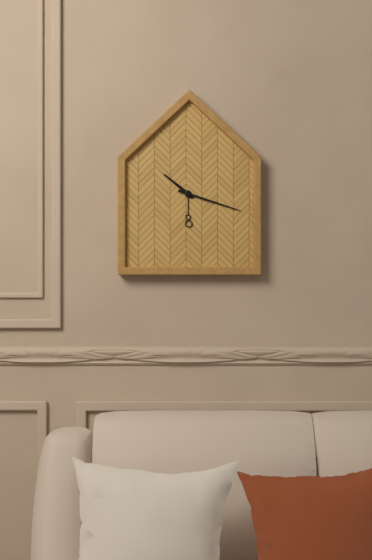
10:18
